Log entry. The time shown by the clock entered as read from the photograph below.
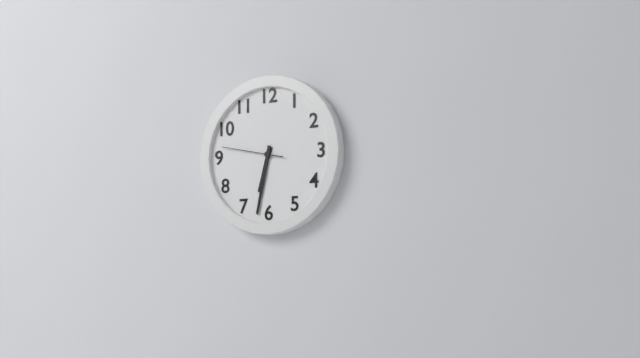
6:32:47
